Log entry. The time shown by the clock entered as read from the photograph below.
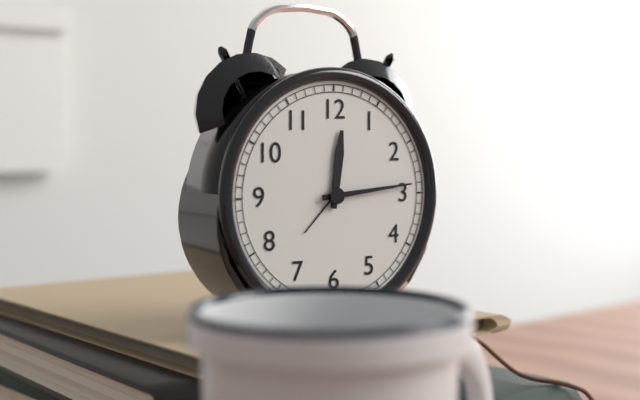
12:14
